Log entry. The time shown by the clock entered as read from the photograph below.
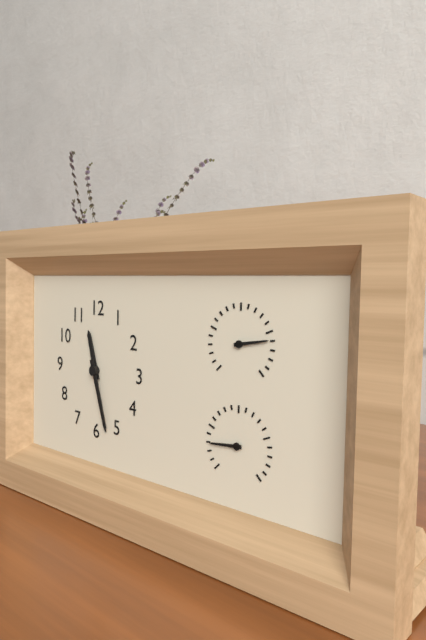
11:27
